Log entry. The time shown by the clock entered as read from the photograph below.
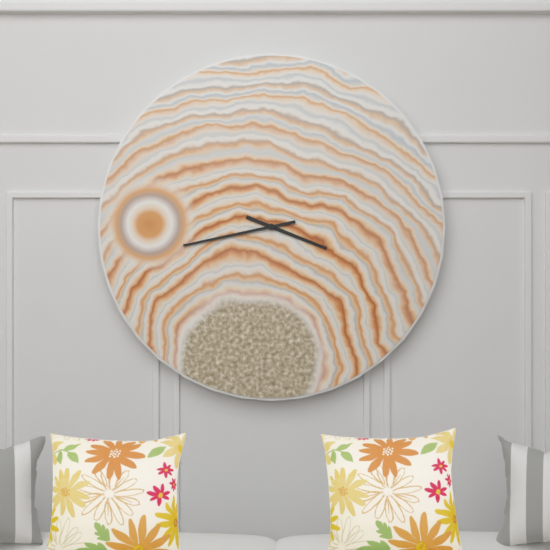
3:43
